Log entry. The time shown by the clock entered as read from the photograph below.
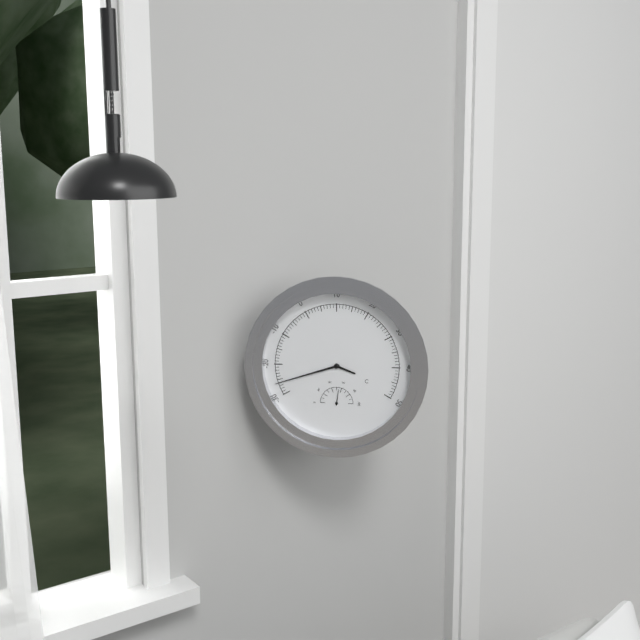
3:42
